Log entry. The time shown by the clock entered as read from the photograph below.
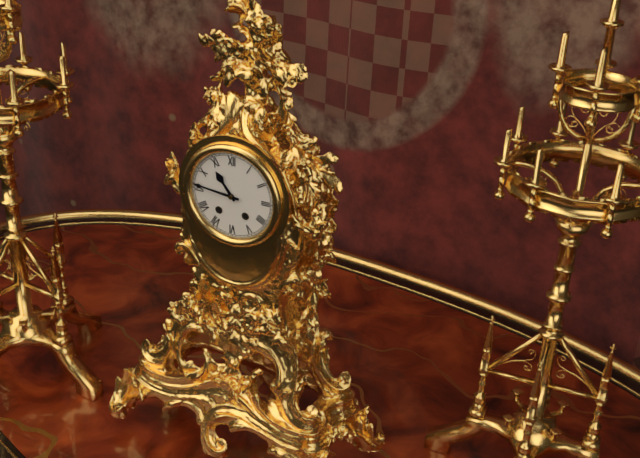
10:46
